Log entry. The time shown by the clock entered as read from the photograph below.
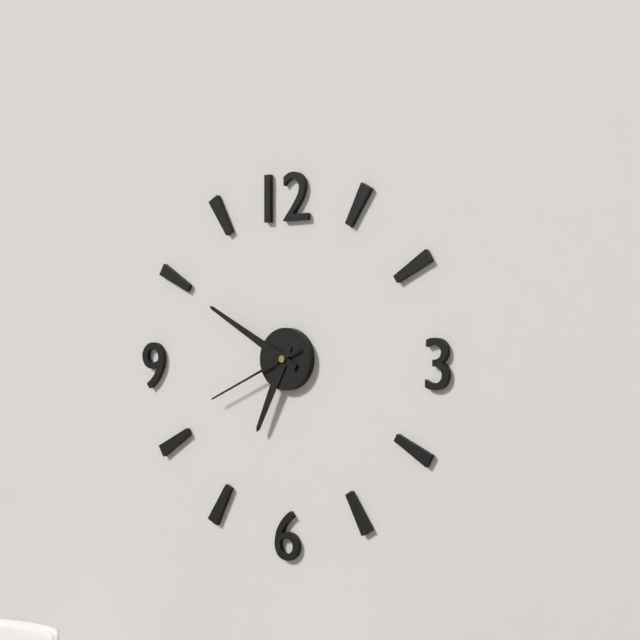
6:50:41
